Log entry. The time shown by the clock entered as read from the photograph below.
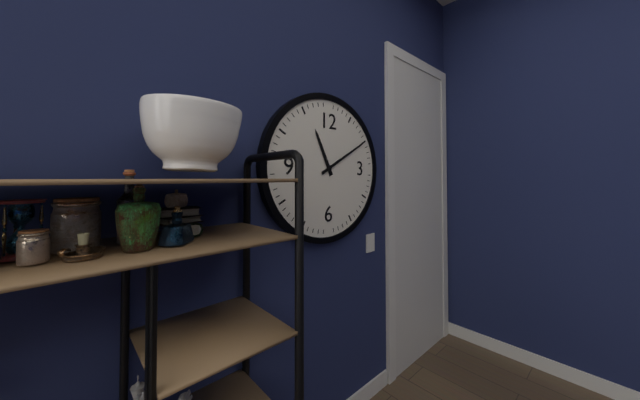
11:10
